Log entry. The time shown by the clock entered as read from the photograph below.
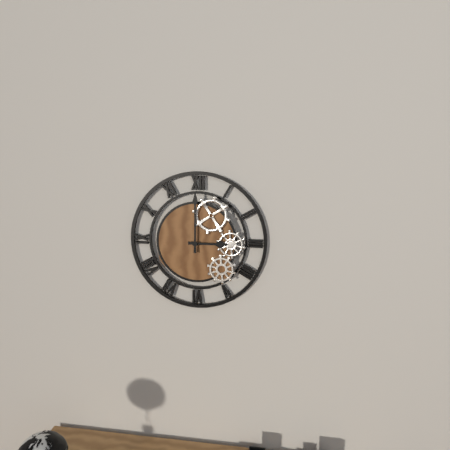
3:00
